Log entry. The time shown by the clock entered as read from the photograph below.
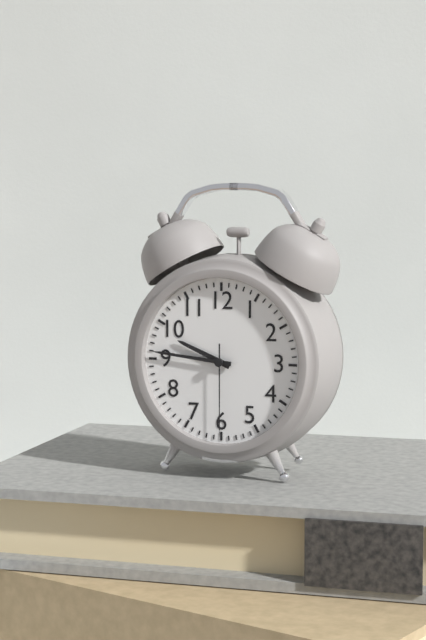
9:46:30
